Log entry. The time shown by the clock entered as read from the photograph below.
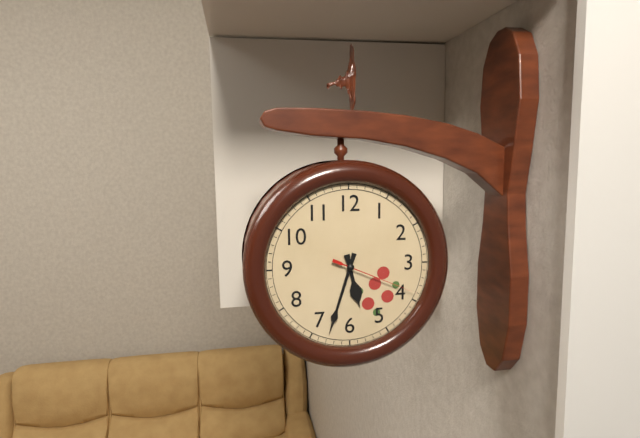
5:33:19
